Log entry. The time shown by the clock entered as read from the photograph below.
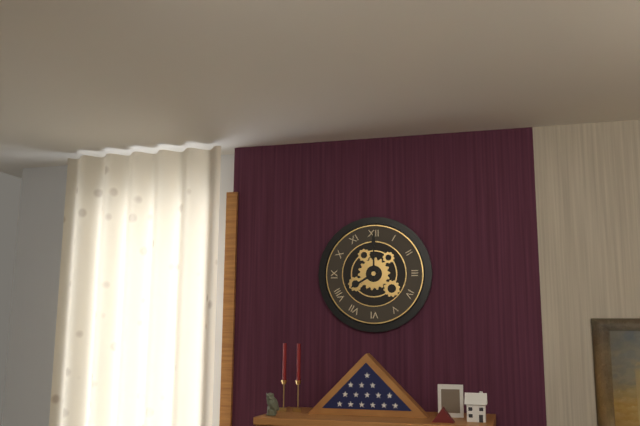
8:00
